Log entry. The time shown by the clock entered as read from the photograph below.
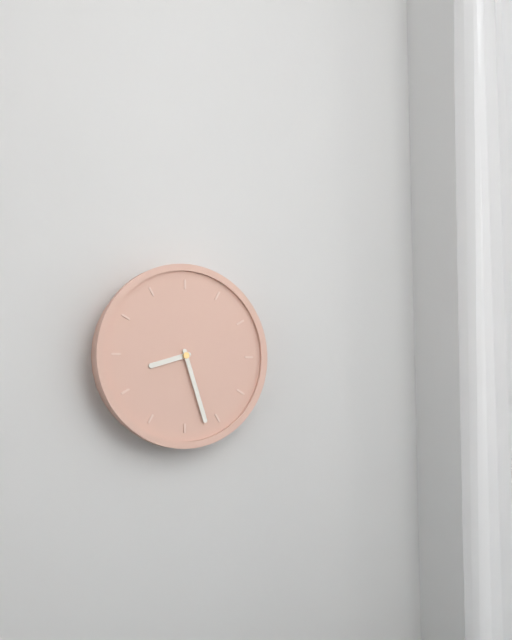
8:27
